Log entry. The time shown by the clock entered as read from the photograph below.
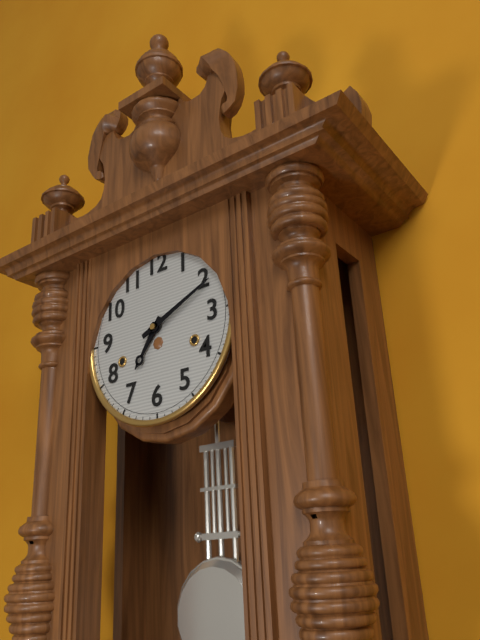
7:11
